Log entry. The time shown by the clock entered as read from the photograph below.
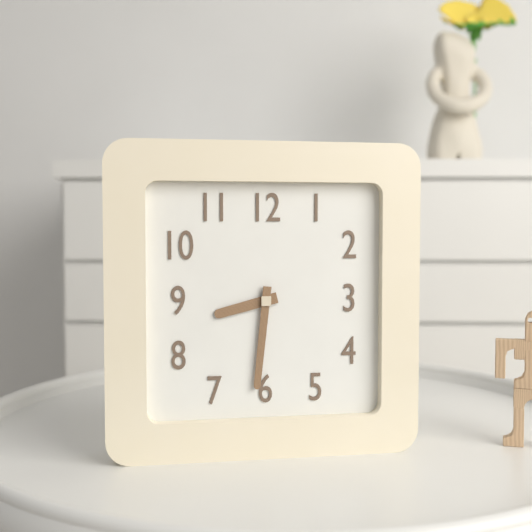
8:31
